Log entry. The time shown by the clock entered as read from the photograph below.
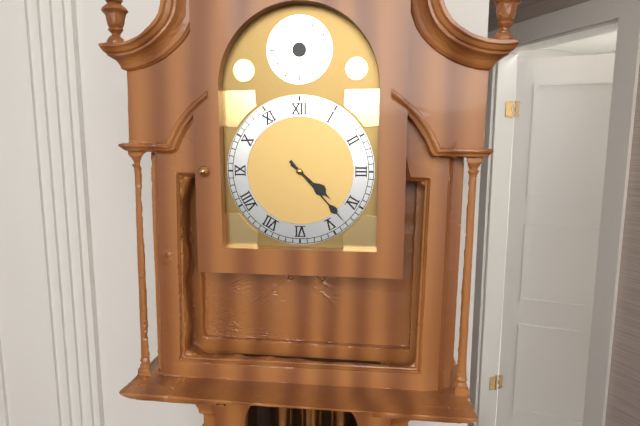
4:23
